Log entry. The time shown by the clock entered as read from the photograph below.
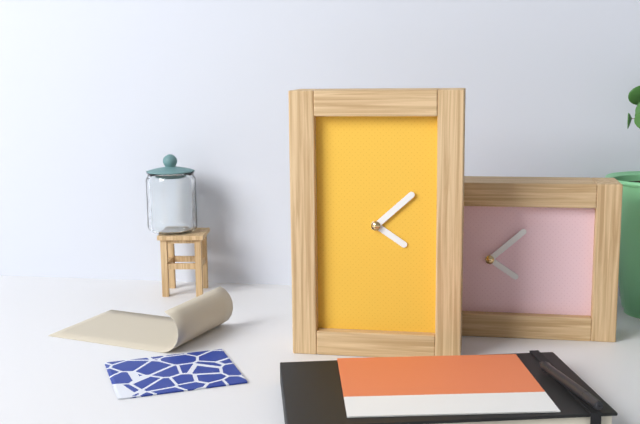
4:08
